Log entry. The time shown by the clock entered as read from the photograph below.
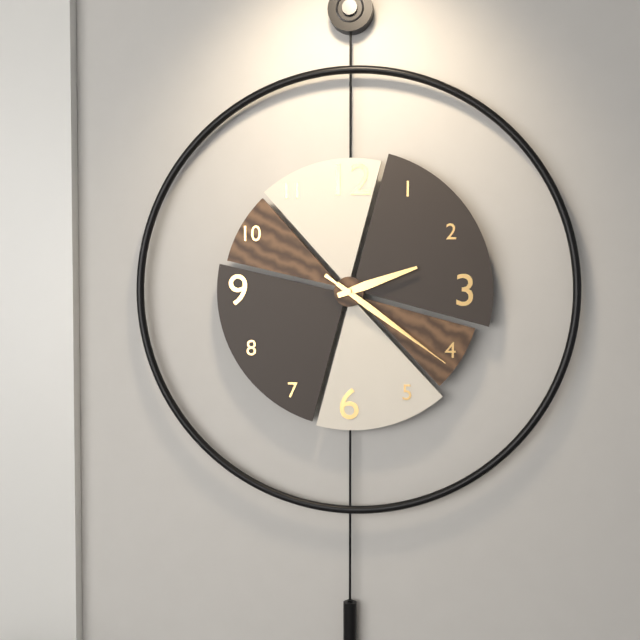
2:21:21
